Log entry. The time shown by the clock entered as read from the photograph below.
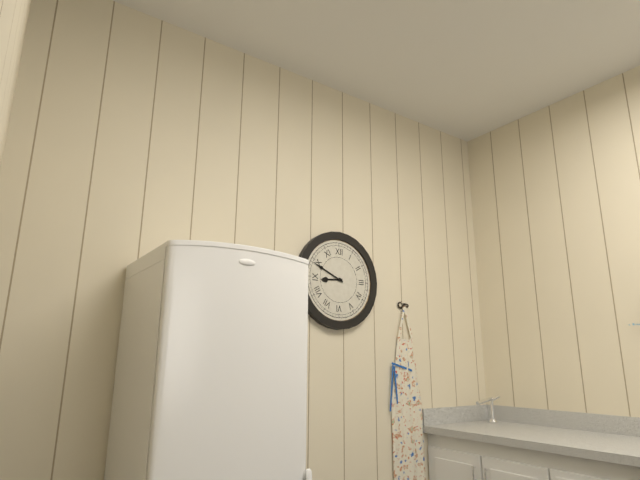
8:49
